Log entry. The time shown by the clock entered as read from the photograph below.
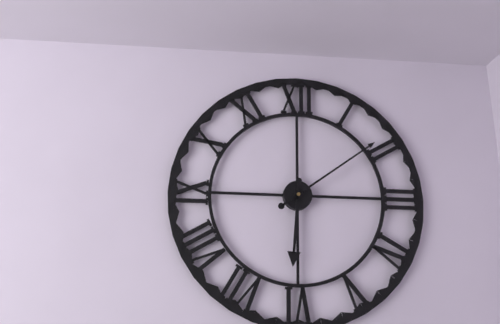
6:09
